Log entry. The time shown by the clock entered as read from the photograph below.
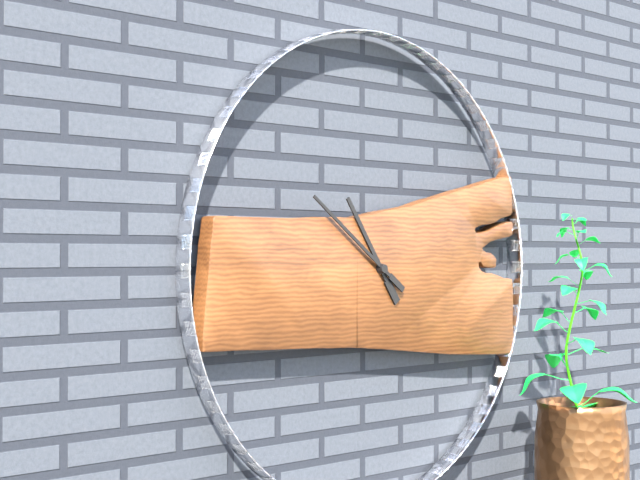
10:51
